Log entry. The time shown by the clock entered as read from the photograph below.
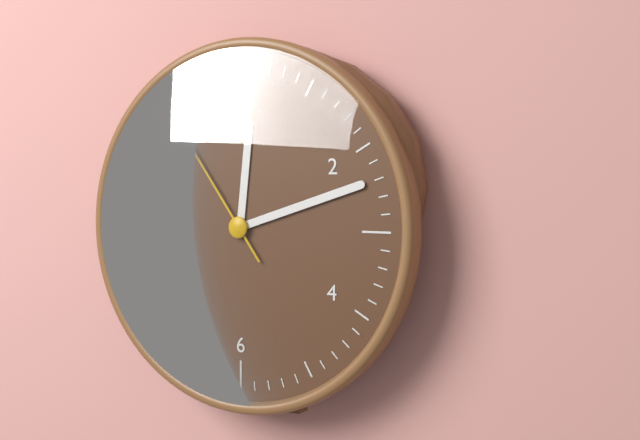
12:12:54
